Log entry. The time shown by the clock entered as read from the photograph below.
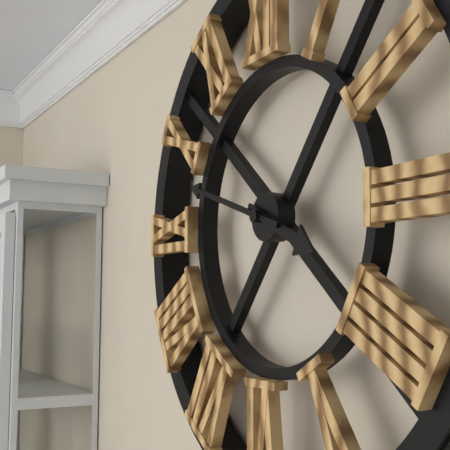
3:48
